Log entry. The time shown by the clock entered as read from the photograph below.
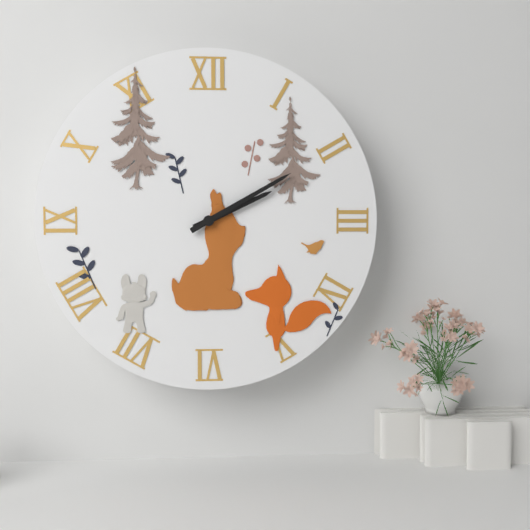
2:10
